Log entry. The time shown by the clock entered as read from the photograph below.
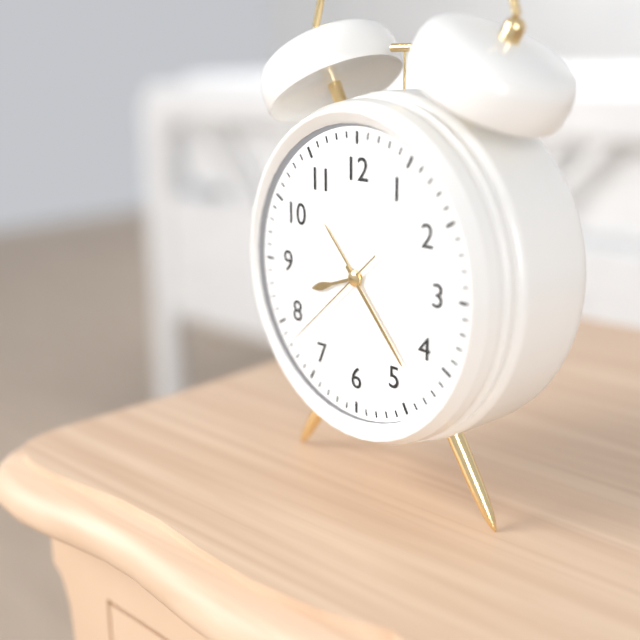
8:23:38
